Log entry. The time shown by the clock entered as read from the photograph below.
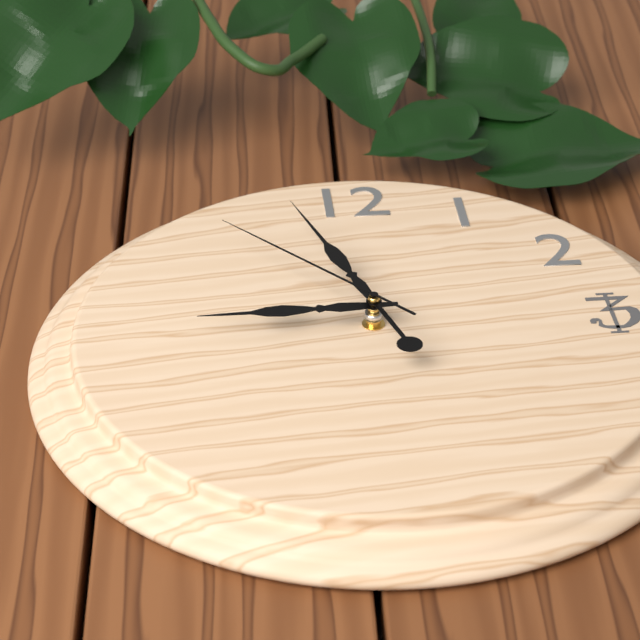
8:57:53
